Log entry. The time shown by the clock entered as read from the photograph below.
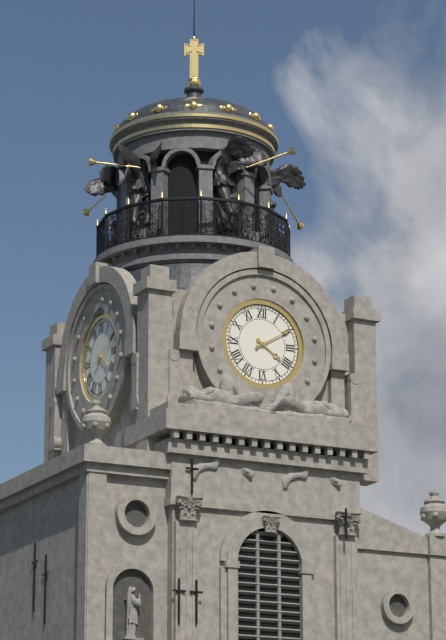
4:10
